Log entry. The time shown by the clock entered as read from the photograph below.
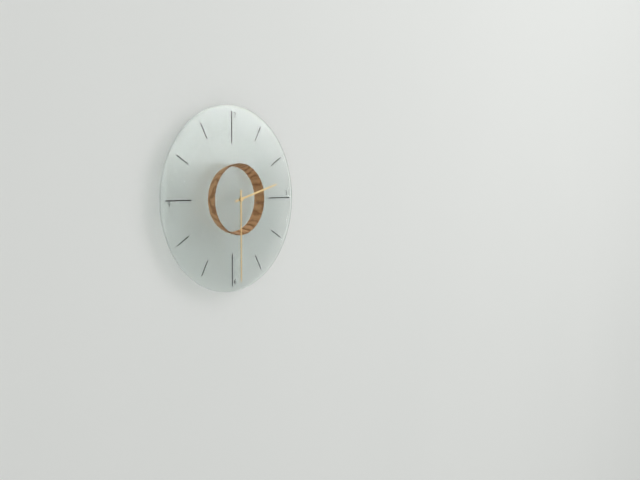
2:30
